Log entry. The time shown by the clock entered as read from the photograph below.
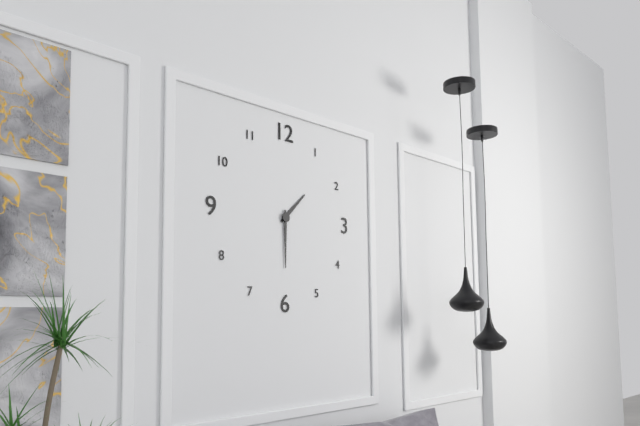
1:30
